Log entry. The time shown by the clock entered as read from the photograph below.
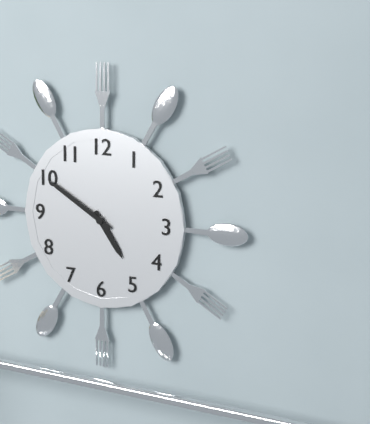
4:50
